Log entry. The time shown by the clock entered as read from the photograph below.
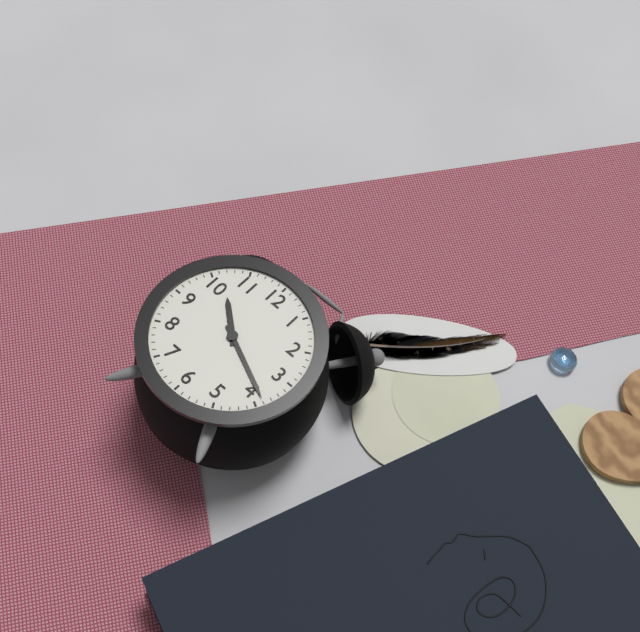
10:19
